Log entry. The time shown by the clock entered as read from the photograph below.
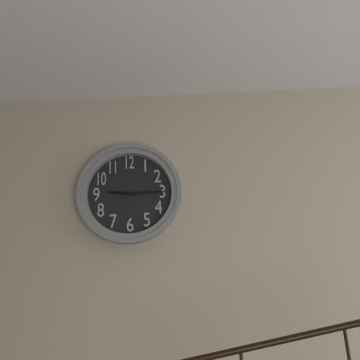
9:15
